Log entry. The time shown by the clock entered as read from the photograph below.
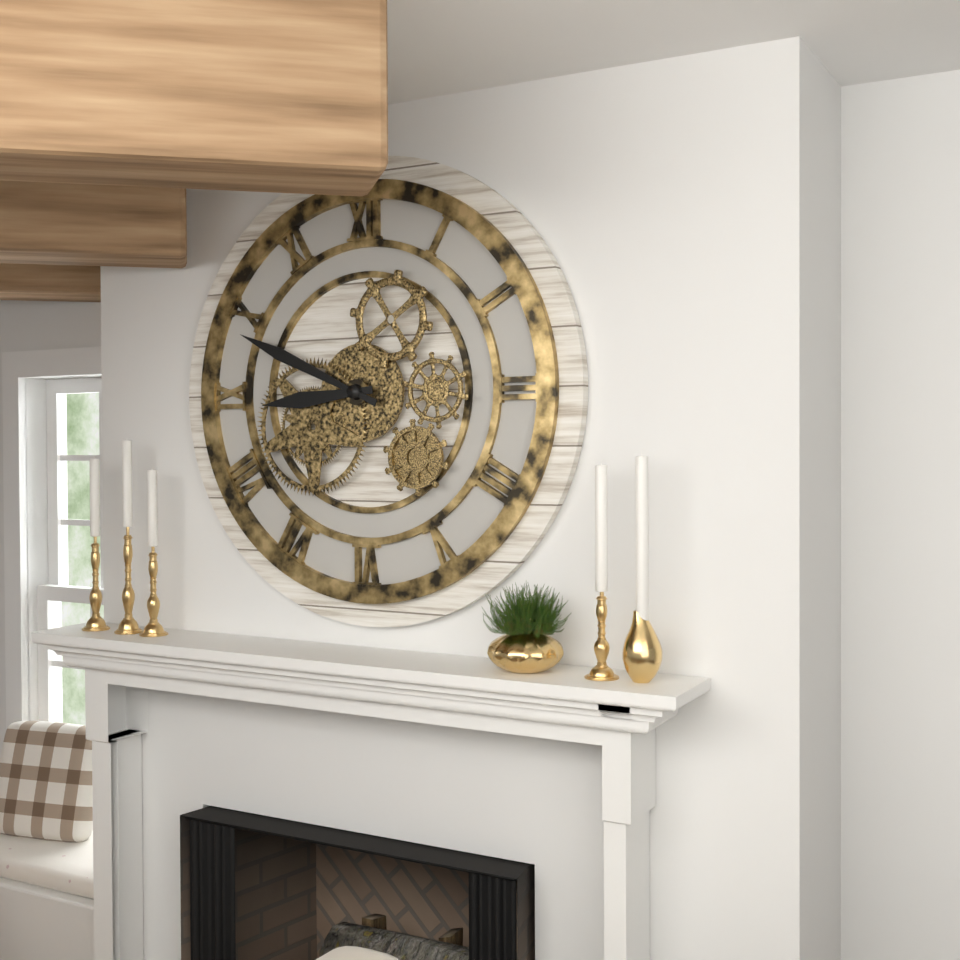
8:49
